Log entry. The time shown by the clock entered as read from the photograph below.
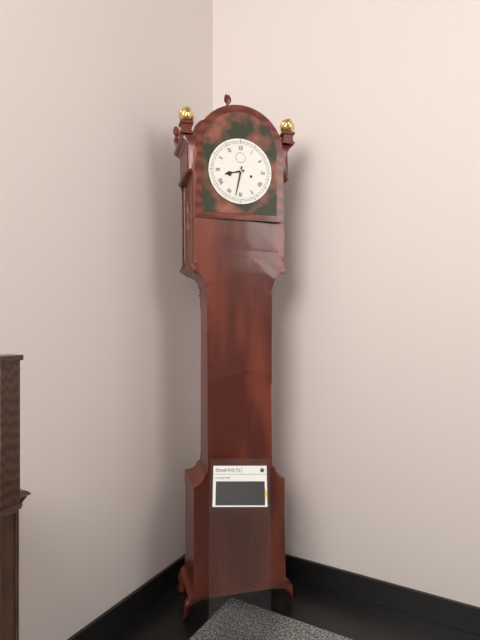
8:32
